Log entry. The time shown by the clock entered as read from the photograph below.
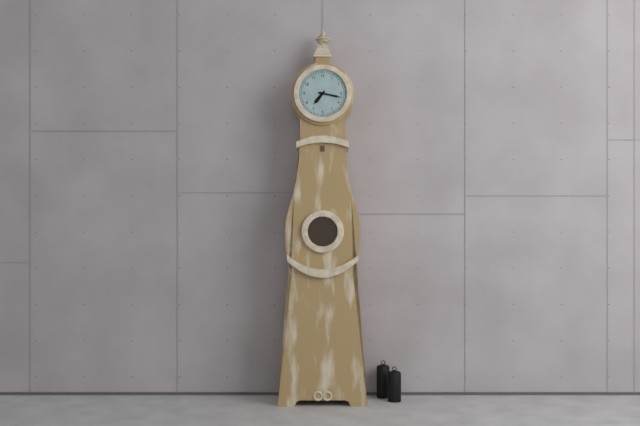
7:17
